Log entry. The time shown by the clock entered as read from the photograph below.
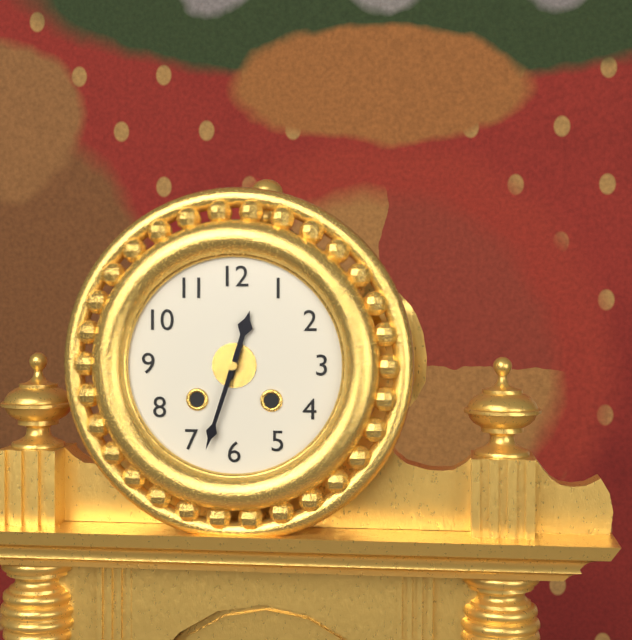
12:33
